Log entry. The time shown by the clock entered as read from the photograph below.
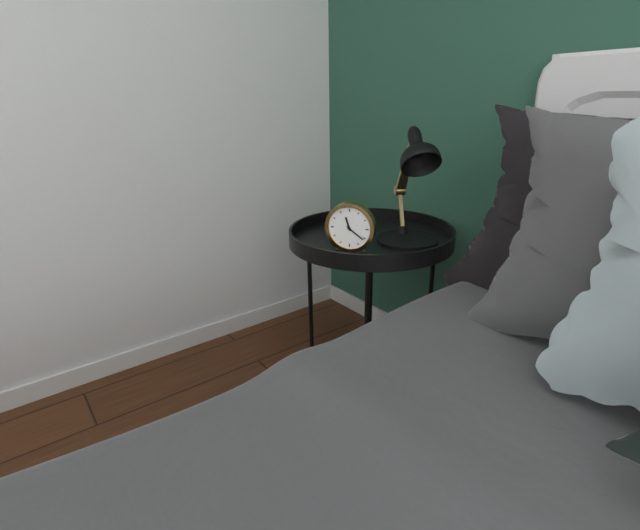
11:21
